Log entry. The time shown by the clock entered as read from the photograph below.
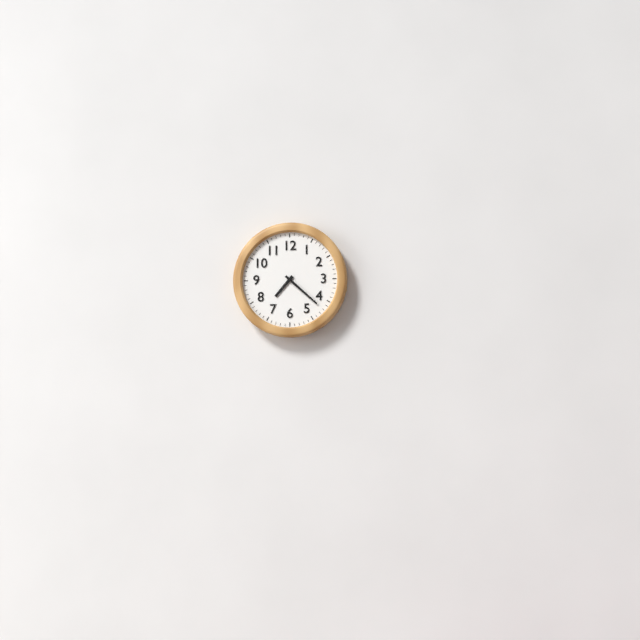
7:22
